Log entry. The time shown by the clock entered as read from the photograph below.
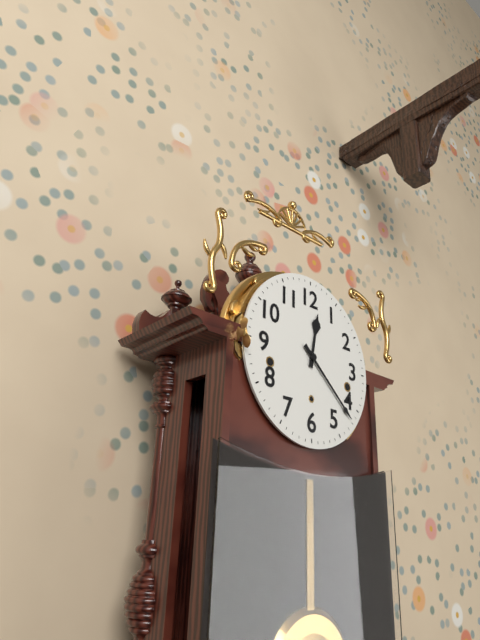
12:22
